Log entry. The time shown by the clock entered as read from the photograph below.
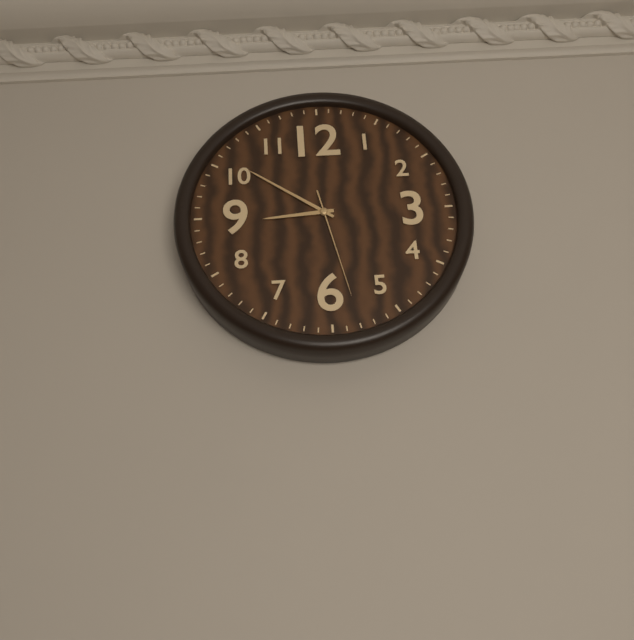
8:51:28
